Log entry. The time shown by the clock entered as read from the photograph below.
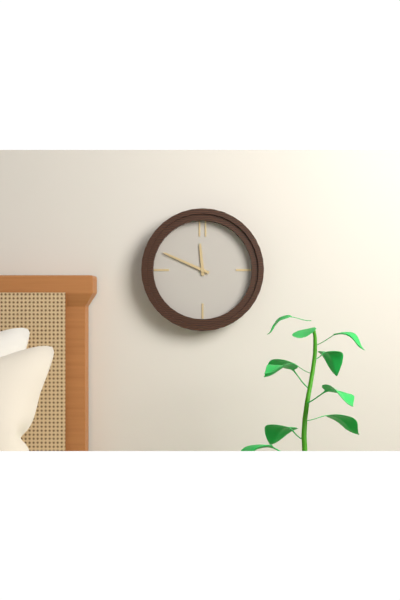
11:49
